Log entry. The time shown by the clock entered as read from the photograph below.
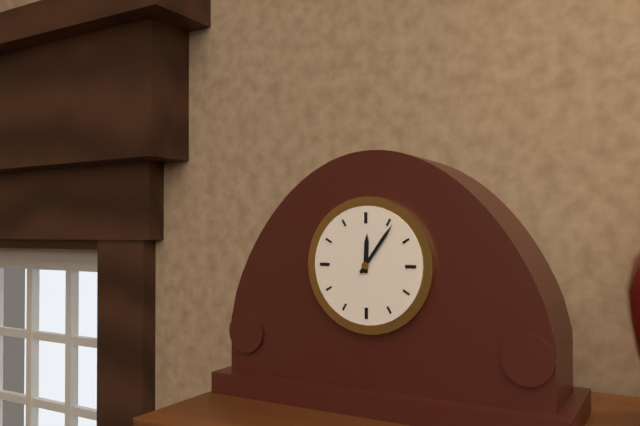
12:06
